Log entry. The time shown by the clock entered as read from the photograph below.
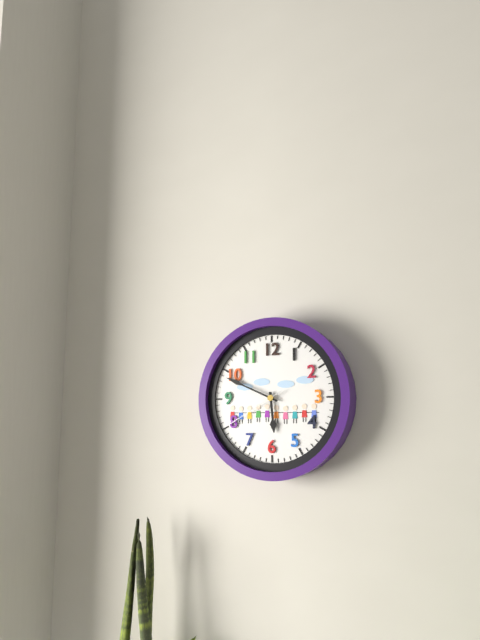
5:49:40
